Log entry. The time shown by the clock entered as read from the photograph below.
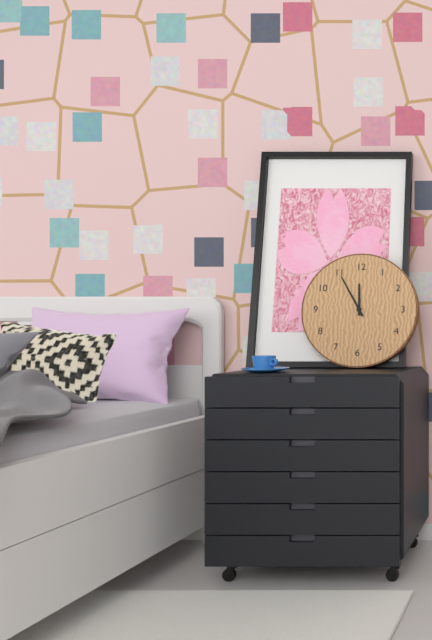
11:55
